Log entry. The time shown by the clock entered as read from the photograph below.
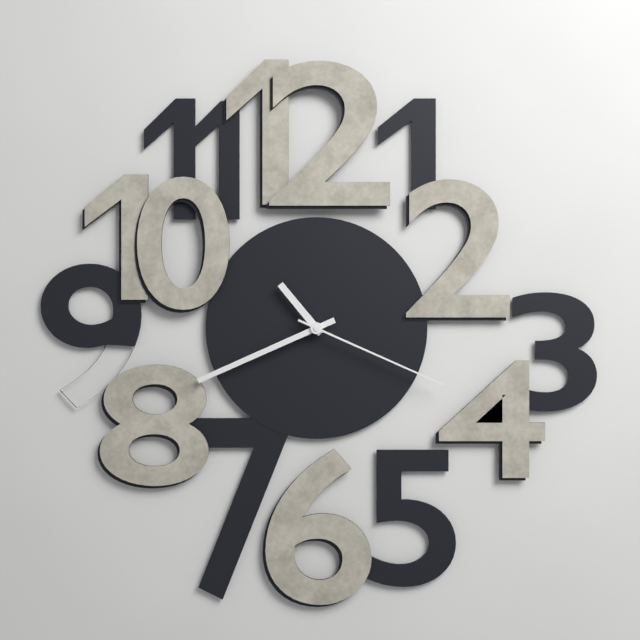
10:41:19
